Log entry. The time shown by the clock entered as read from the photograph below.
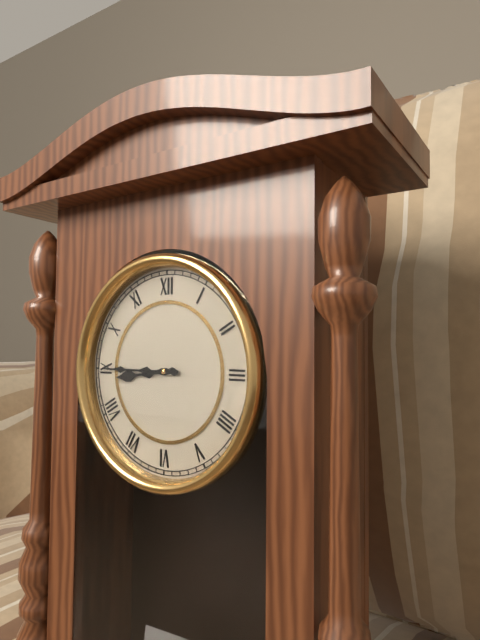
8:45
